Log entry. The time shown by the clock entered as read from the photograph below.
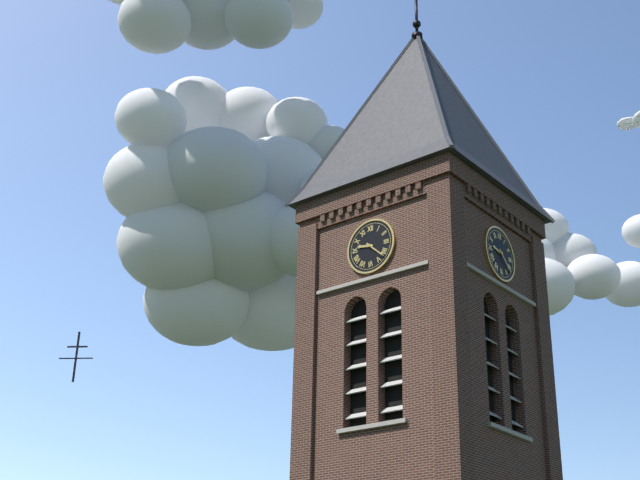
9:22
